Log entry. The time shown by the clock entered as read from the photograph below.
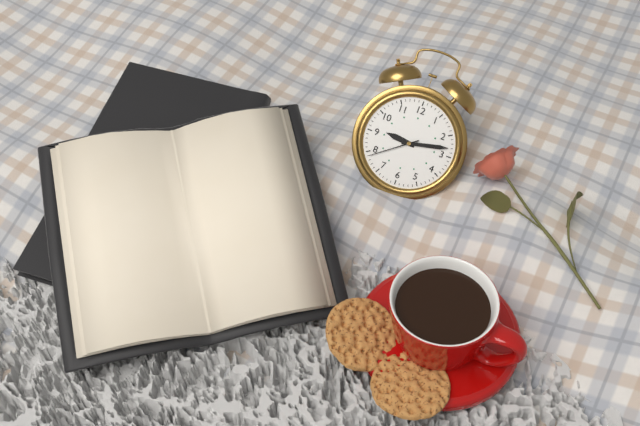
9:13:39
